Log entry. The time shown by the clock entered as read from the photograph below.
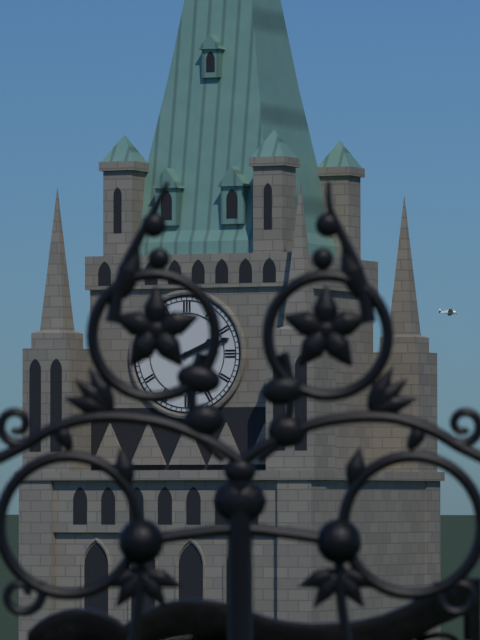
2:12
